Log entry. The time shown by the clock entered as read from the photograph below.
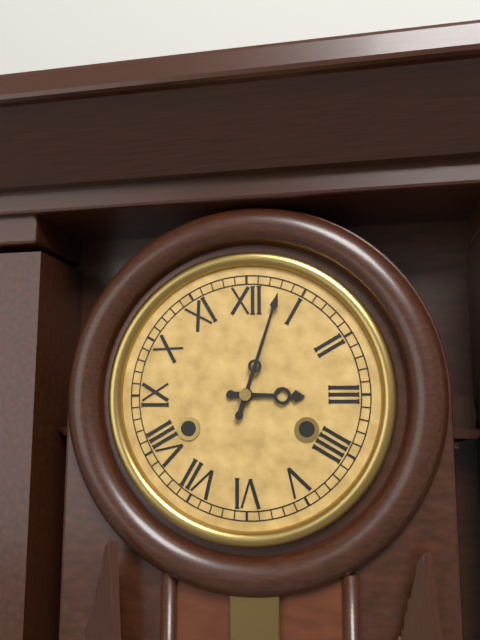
3:03
